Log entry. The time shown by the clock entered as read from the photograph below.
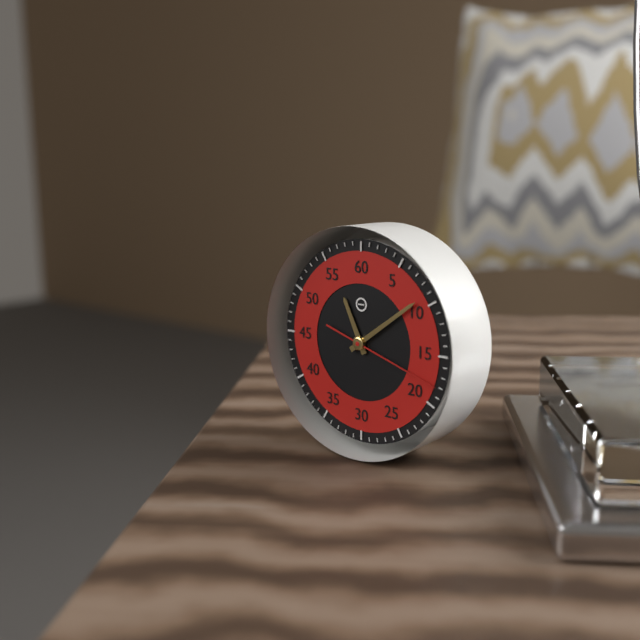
11:09:18
